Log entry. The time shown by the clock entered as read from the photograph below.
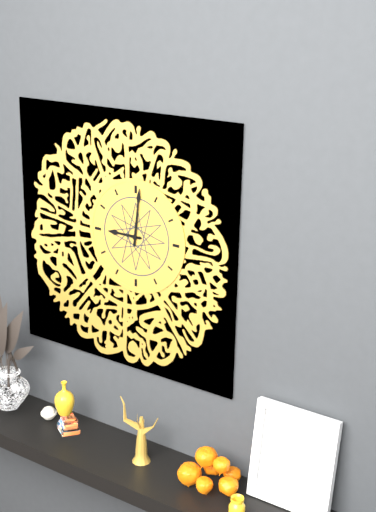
9:01
